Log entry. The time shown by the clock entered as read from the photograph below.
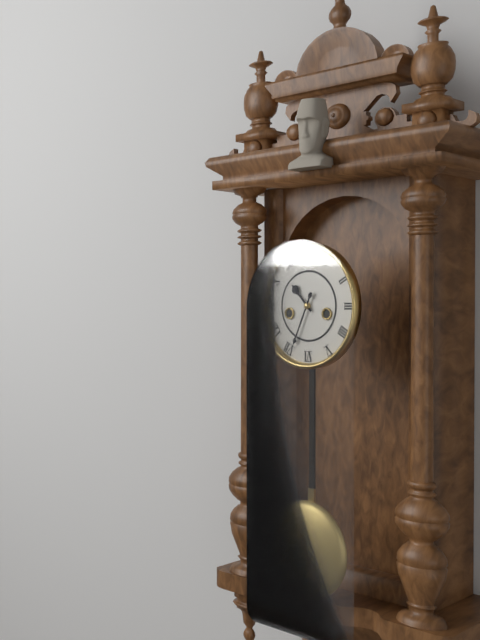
10:34
